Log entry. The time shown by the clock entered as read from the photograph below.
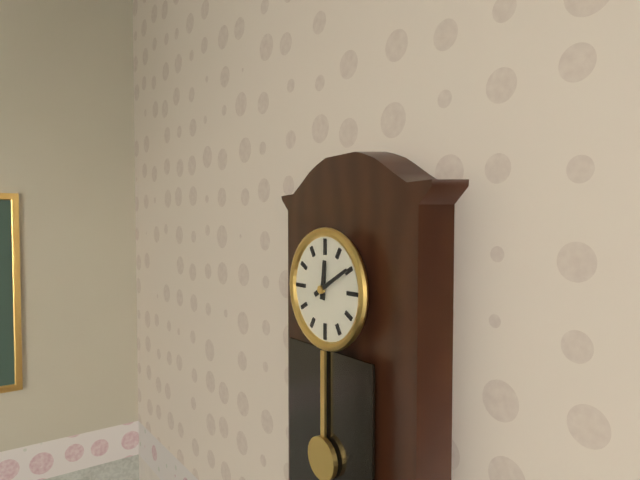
12:10
